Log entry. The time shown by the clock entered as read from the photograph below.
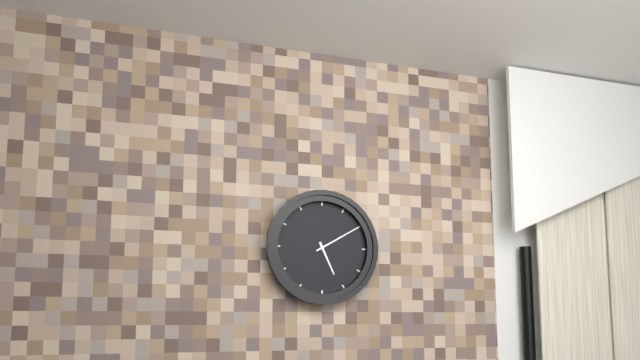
5:10
